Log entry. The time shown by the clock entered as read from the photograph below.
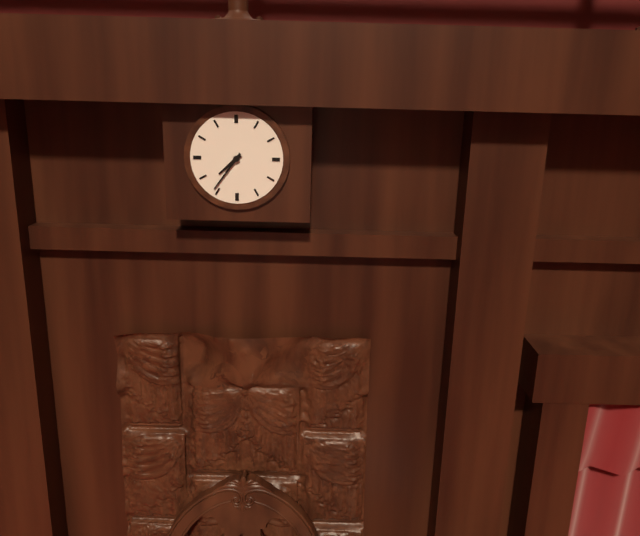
7:36
